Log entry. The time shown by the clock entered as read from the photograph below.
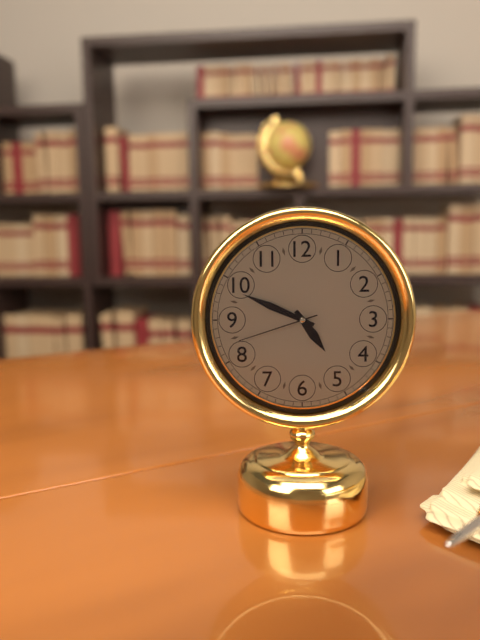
4:49:42
